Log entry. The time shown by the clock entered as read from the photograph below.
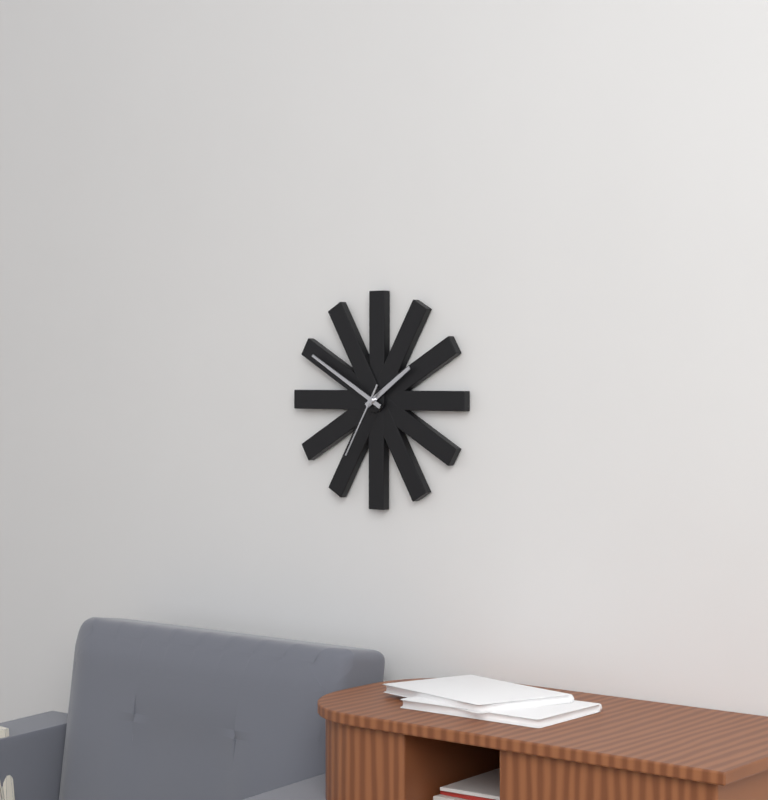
1:50:35
